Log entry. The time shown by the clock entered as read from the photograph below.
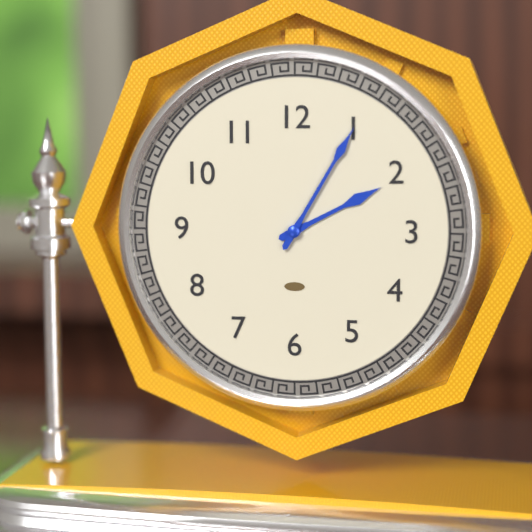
2:05
